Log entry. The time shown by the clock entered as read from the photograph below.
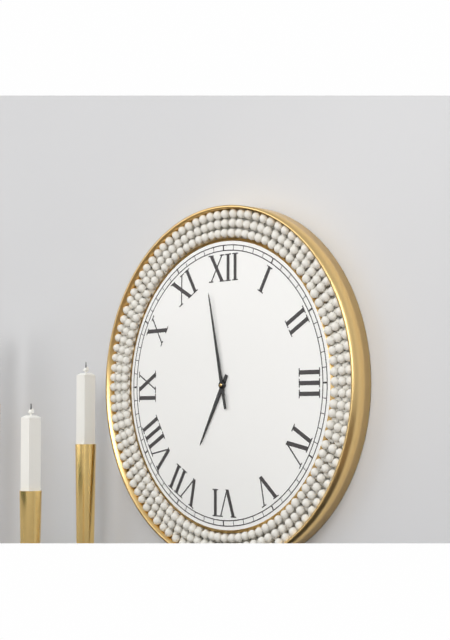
6:58
